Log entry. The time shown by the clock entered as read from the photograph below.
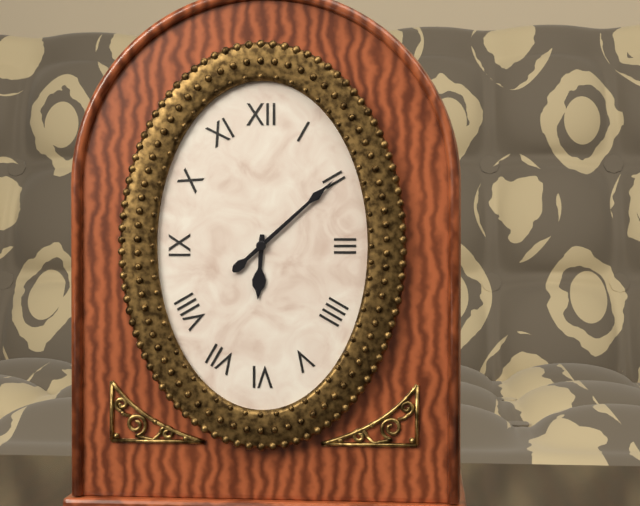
6:08
